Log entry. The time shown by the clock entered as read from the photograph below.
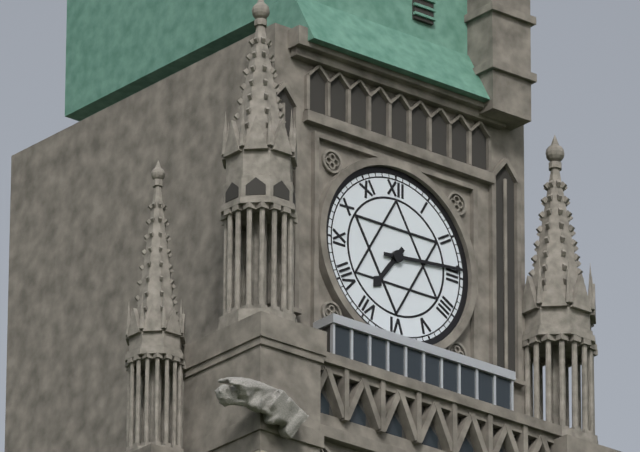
7:14
